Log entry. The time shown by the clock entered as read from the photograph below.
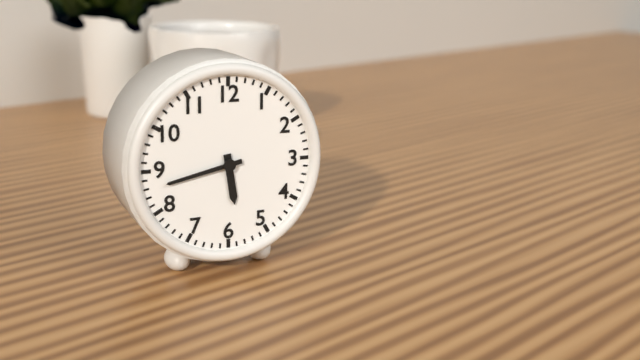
5:43
